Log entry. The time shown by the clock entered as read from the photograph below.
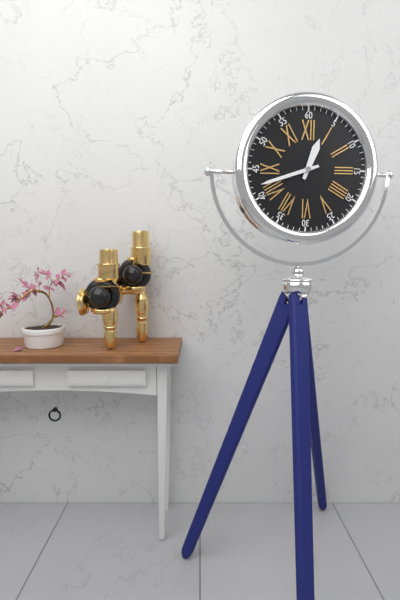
12:42
